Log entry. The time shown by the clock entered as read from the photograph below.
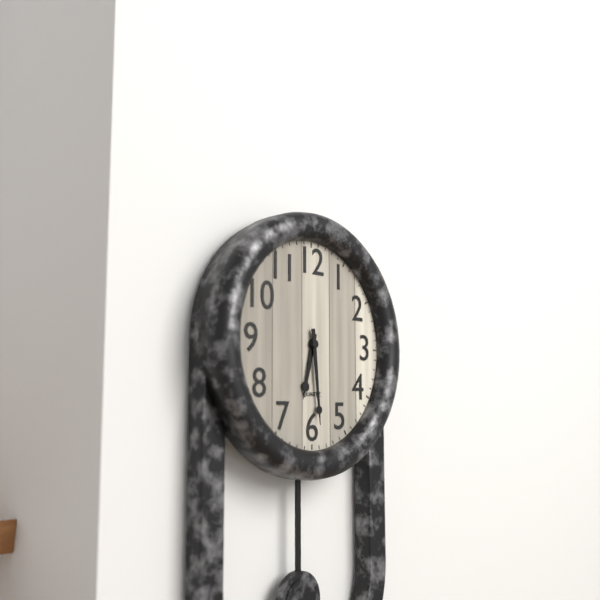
6:29
